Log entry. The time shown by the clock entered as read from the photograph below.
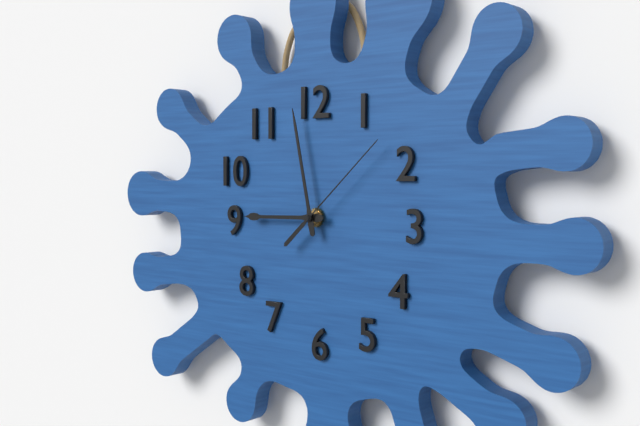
8:58:08
